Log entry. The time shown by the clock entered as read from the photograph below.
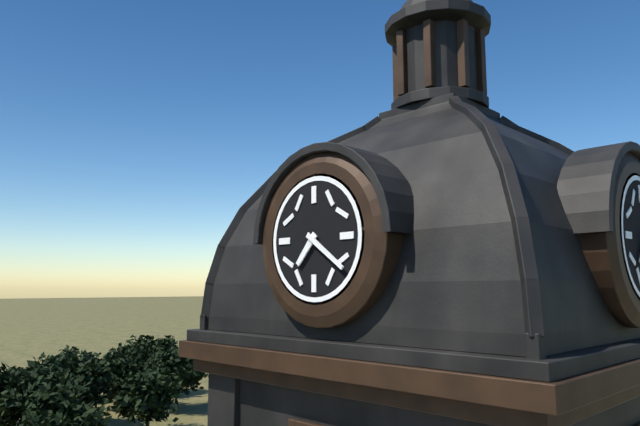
7:21
